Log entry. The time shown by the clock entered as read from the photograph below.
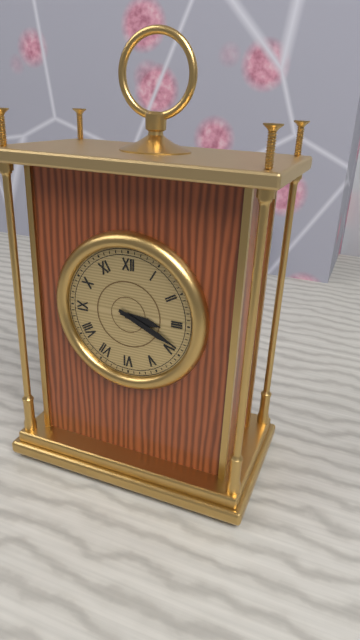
3:19
